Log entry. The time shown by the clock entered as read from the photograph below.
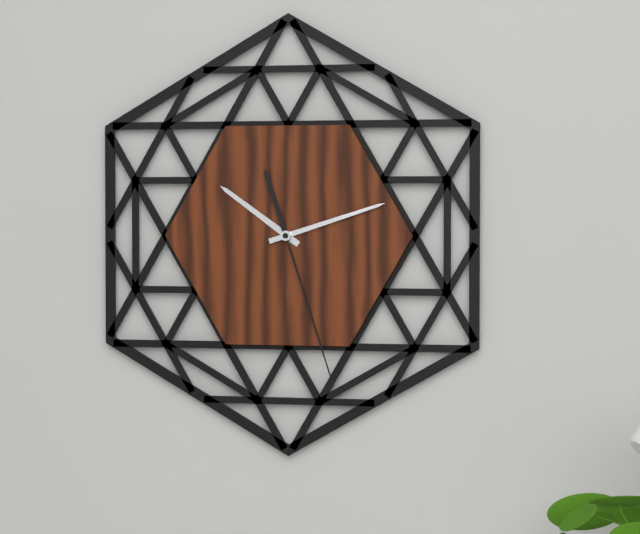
10:12:27
